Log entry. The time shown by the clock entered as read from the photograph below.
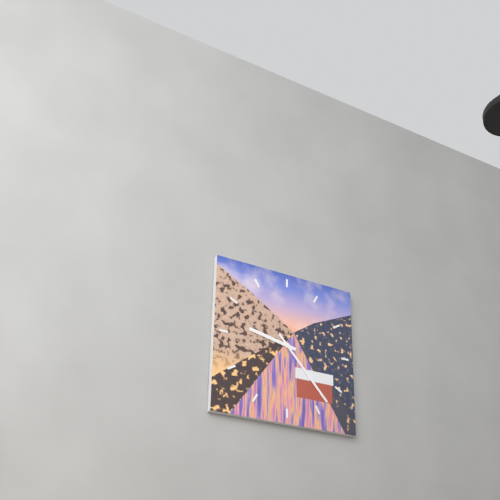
9:23
